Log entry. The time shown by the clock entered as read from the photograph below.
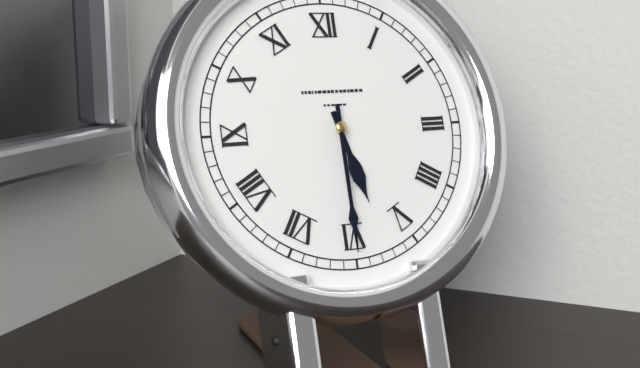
5:30
